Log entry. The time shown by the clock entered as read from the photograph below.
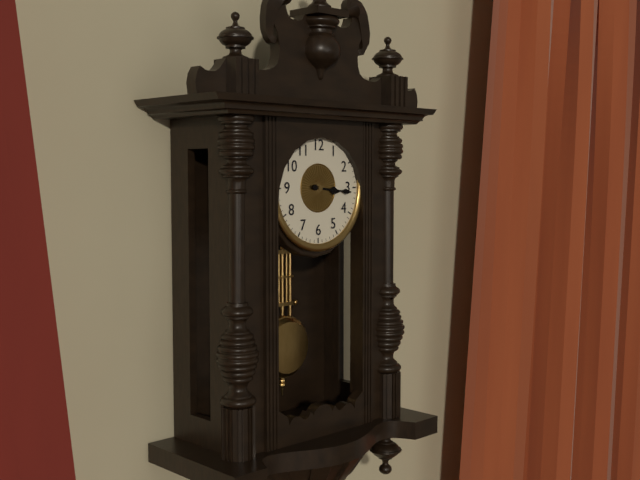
3:16
